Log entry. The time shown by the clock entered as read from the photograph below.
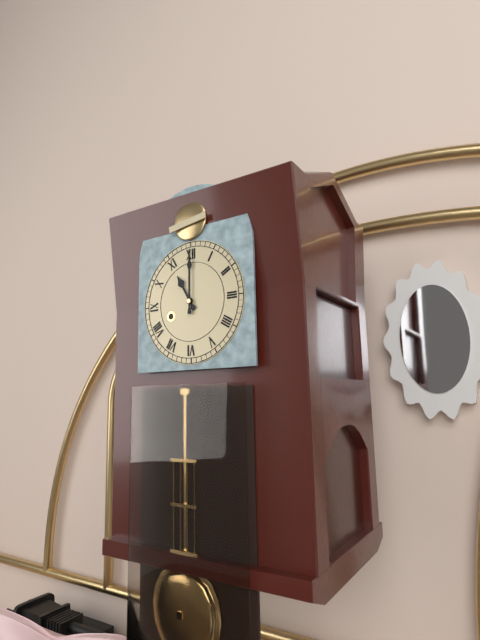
11:00
